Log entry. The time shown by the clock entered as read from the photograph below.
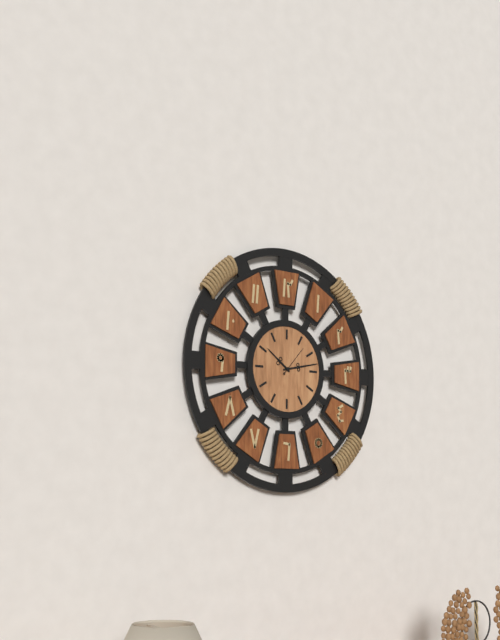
10:13
